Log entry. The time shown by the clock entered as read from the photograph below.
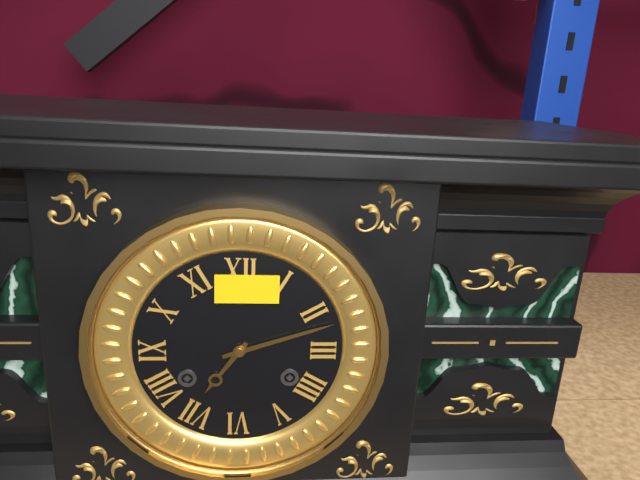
7:12
